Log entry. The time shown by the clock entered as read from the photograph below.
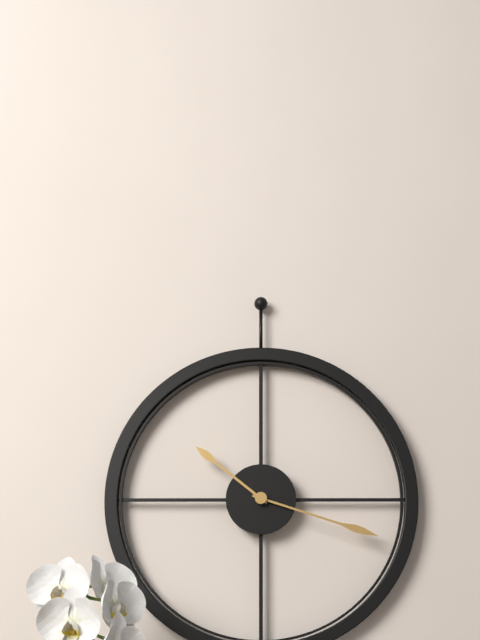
10:18
